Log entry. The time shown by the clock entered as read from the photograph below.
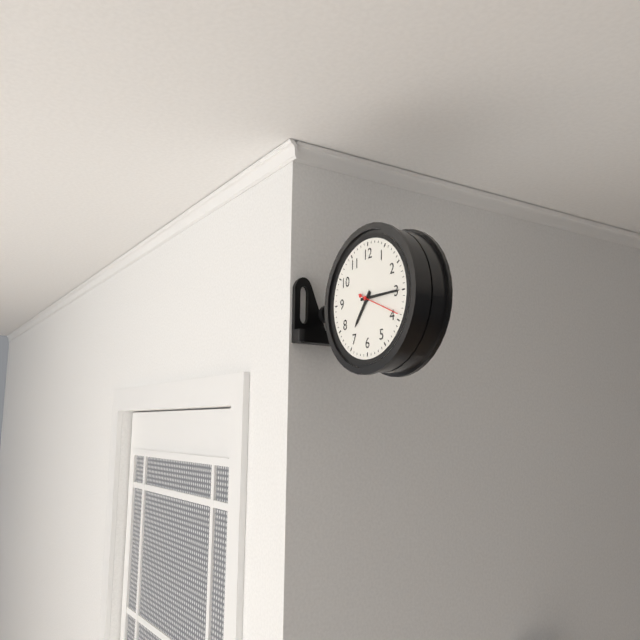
7:15
